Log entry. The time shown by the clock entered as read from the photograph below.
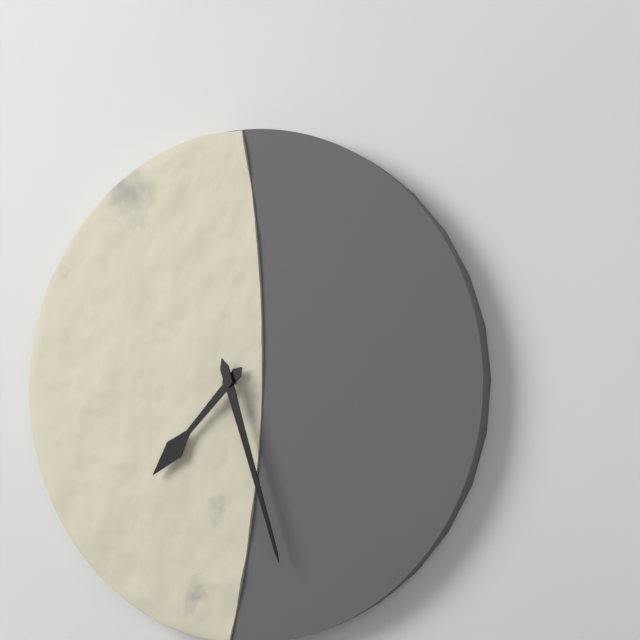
7:27
